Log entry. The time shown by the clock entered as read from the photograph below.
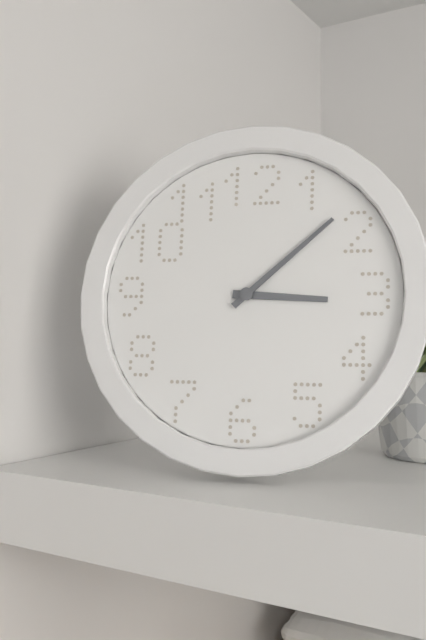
3:08
